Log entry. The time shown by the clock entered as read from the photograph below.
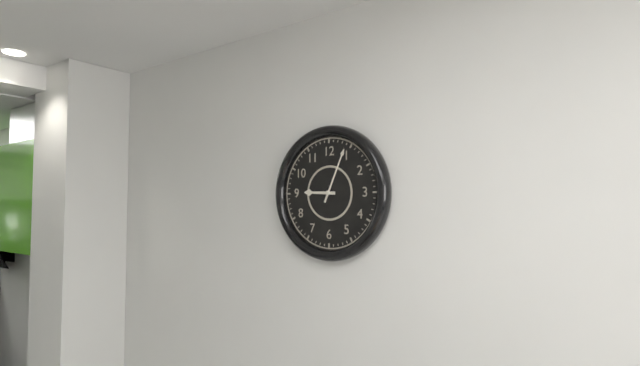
9:04
